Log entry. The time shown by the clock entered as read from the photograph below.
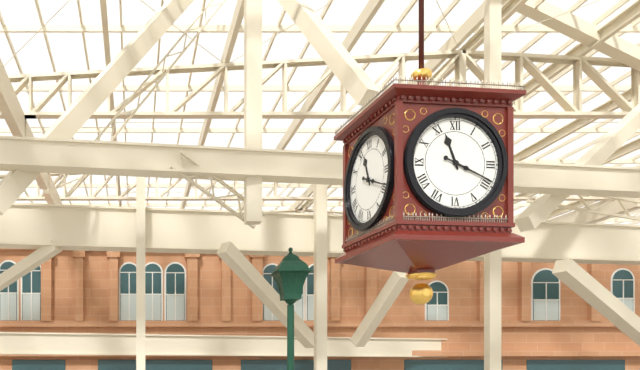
11:19
